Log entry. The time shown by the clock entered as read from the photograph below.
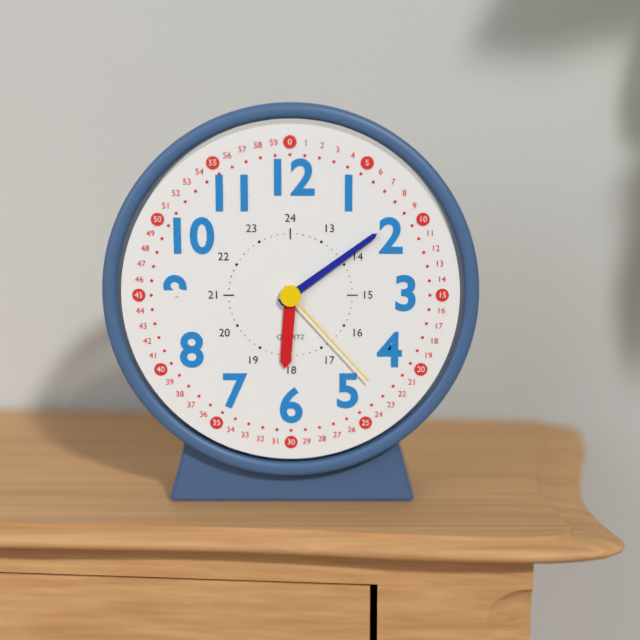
6:09:23
